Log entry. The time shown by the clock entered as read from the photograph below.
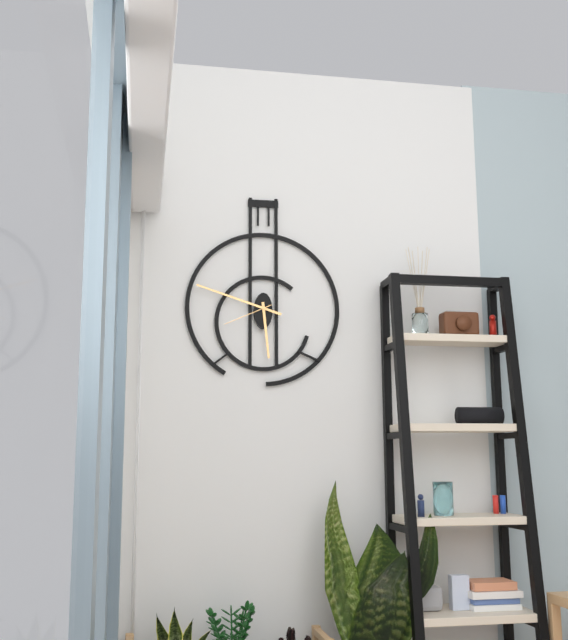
5:48:41
